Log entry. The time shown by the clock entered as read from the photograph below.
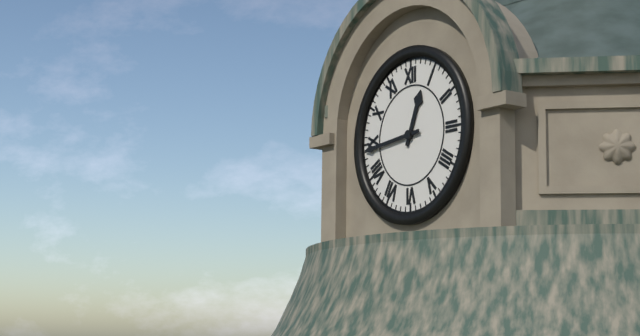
12:44
